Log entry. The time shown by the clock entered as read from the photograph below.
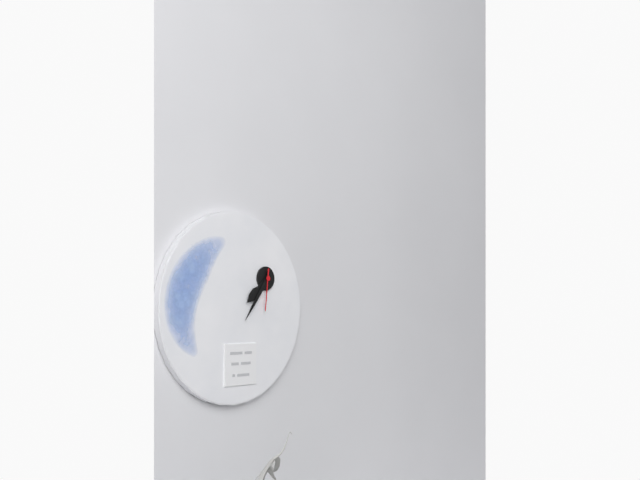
7:36
